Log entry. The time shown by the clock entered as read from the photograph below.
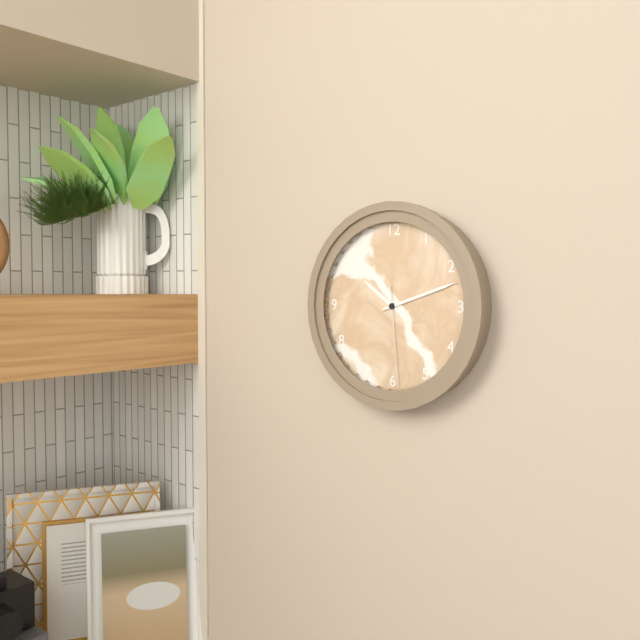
10:12:29
